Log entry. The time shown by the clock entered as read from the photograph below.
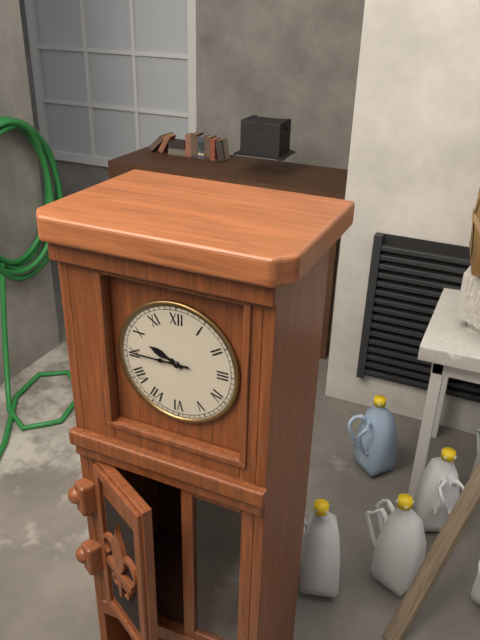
9:45
